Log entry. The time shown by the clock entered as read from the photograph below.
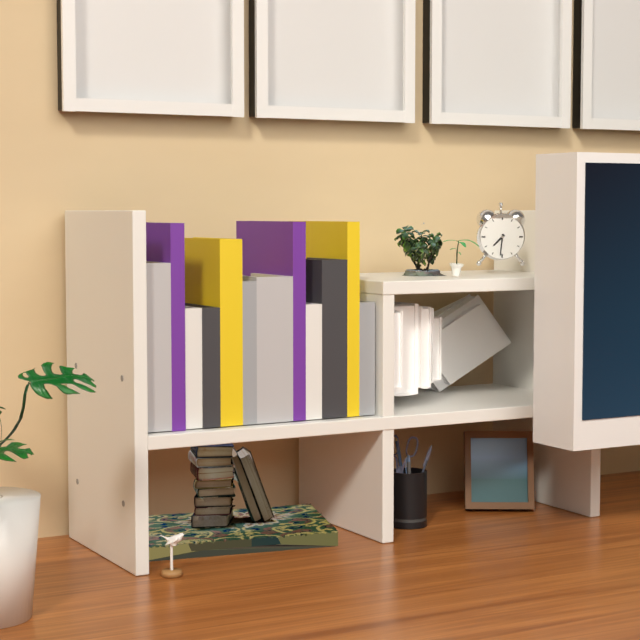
7:31
